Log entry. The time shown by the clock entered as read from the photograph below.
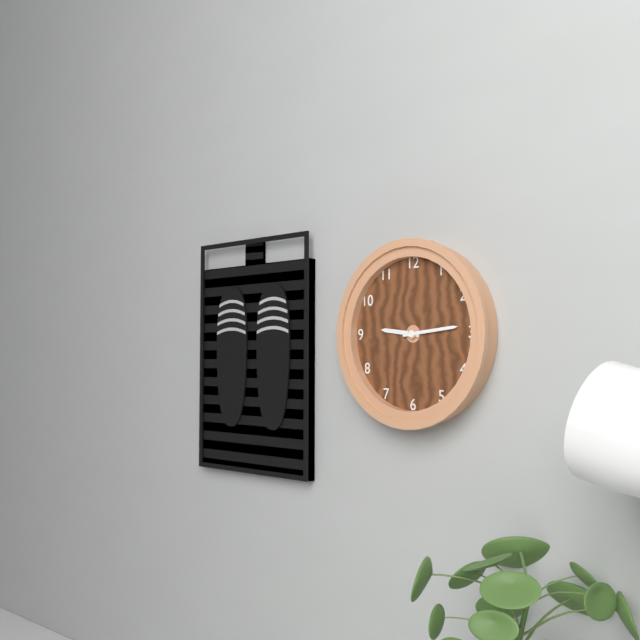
9:14
